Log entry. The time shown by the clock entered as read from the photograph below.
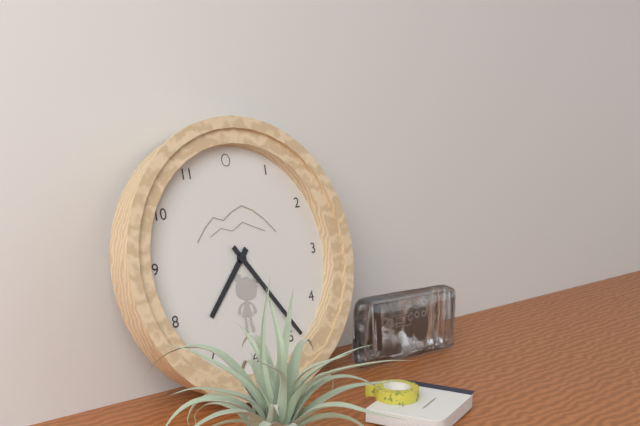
7:24
